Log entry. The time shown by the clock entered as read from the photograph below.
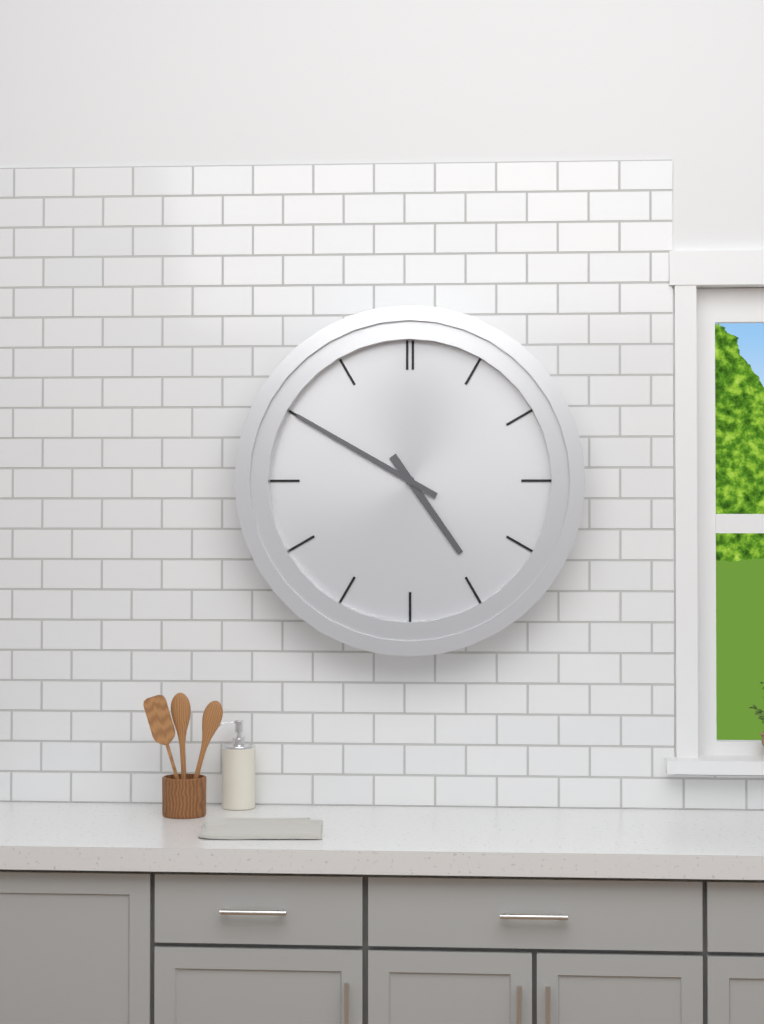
4:50
